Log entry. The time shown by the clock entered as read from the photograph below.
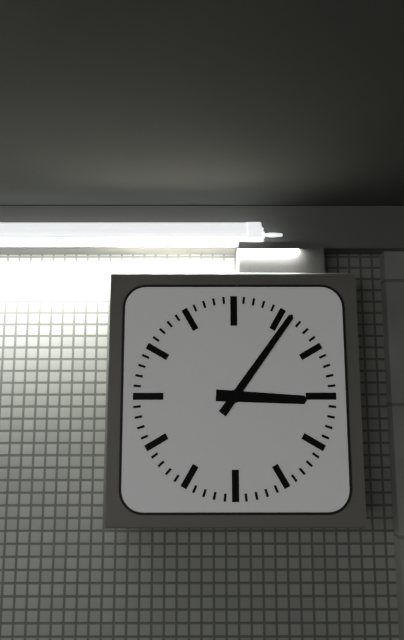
3:06
